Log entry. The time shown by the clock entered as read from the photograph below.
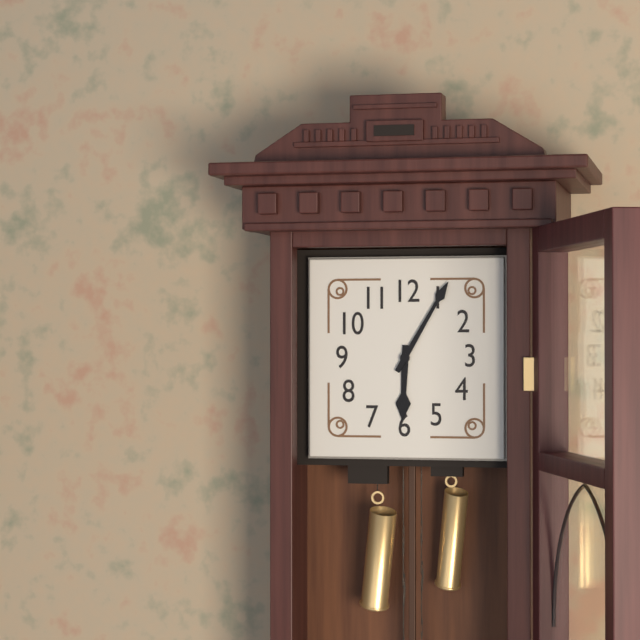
6:05
